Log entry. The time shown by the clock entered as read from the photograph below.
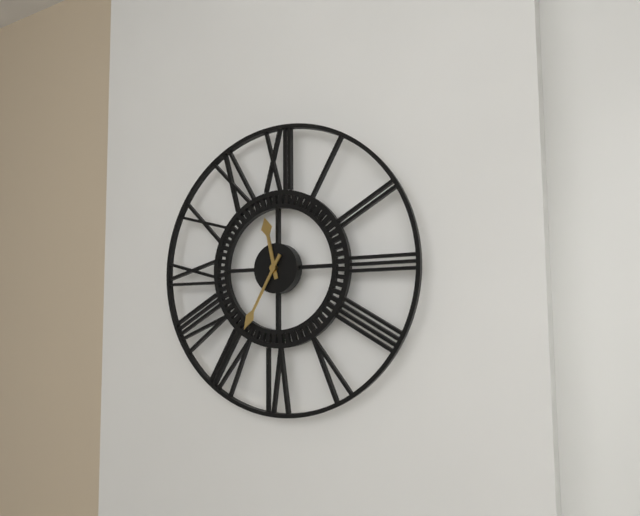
11:35
